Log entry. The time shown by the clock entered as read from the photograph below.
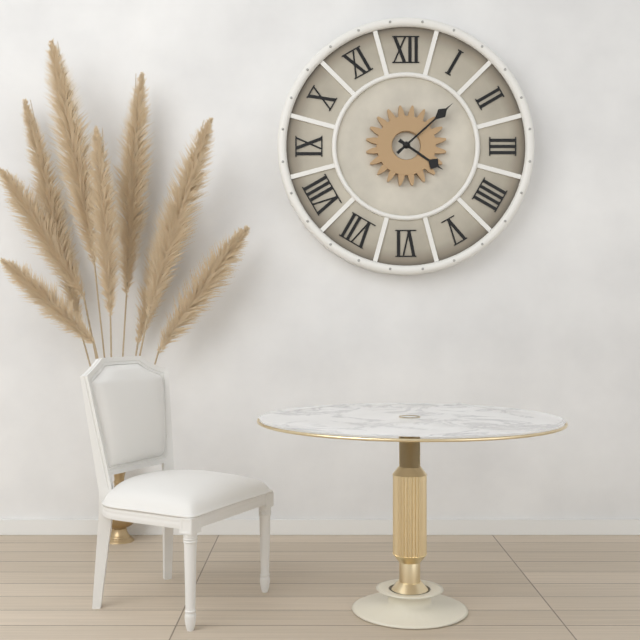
4:08
